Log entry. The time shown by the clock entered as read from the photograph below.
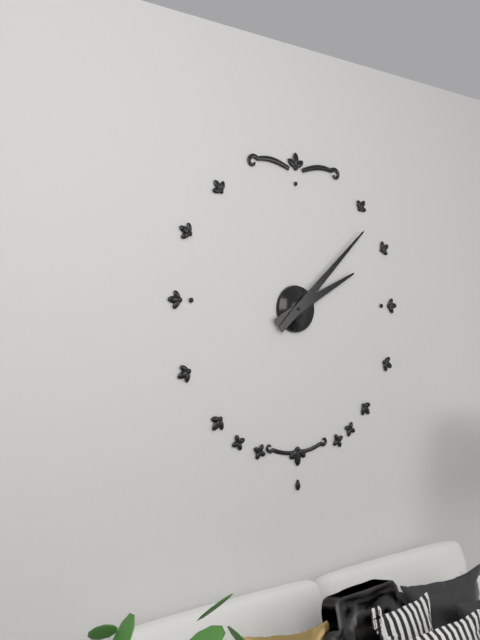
2:08
